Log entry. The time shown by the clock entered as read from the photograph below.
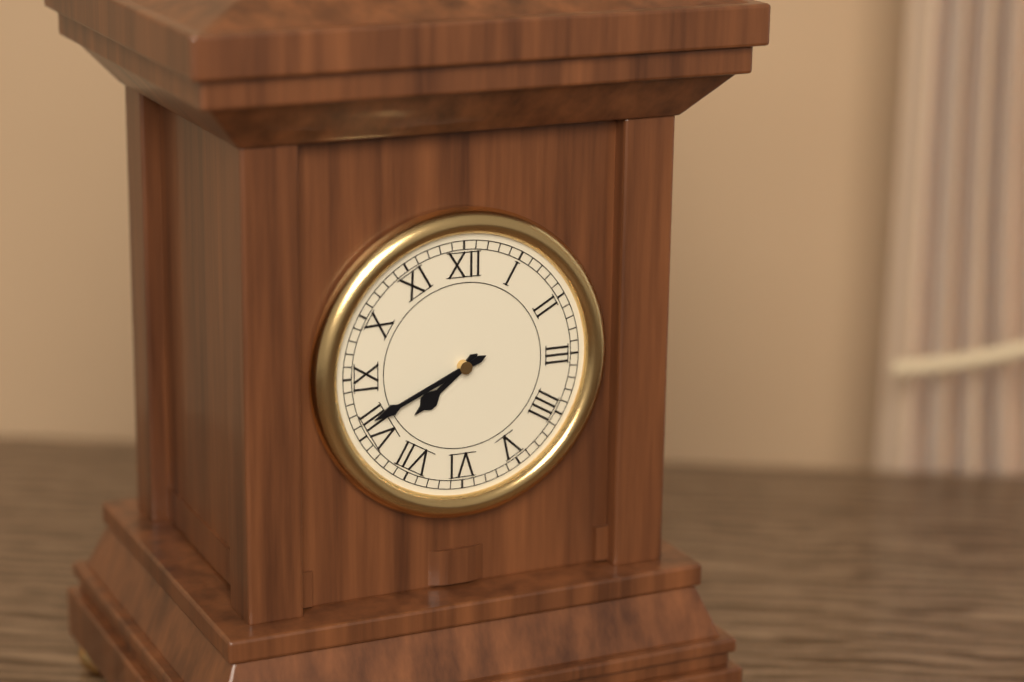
7:41
